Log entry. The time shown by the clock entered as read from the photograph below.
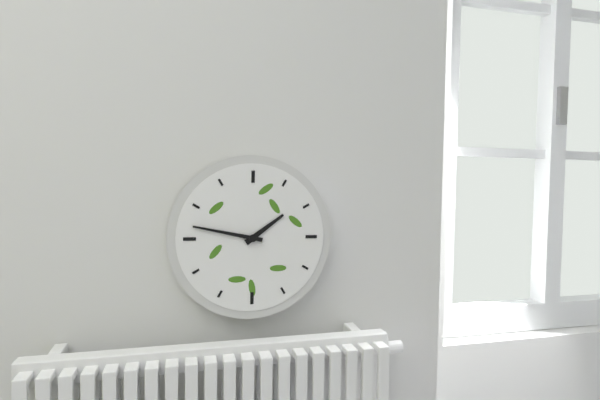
1:47
